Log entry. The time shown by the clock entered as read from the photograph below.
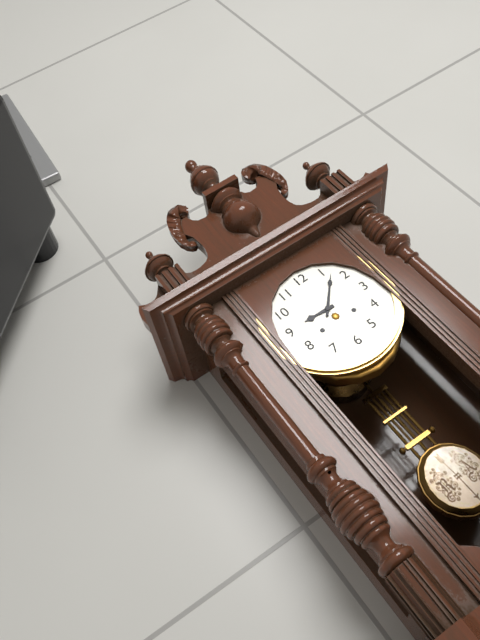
9:07
